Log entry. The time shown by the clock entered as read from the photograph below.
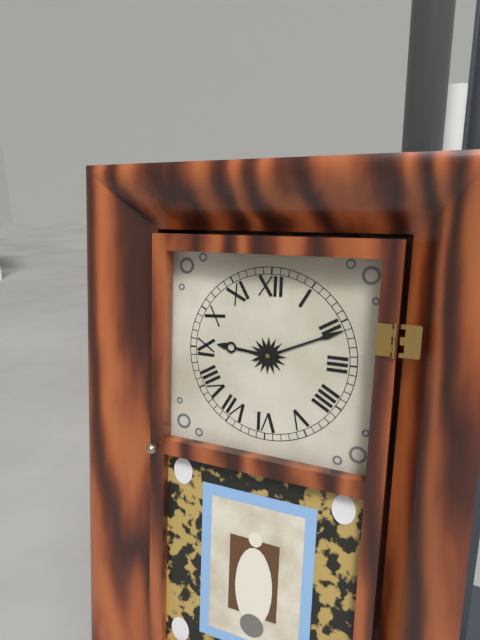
9:11
